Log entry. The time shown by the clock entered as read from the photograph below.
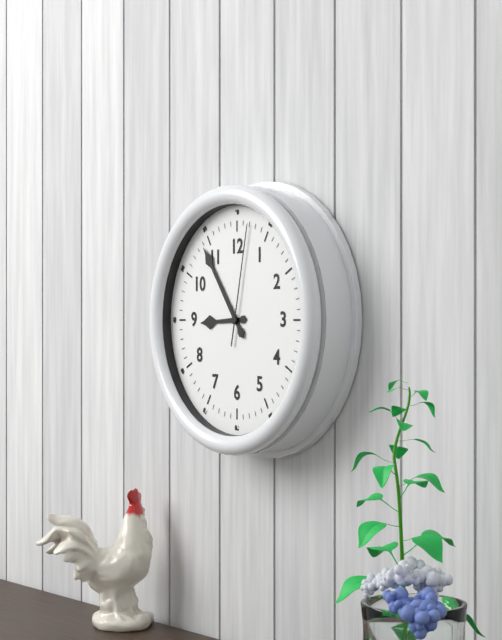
8:54:02
